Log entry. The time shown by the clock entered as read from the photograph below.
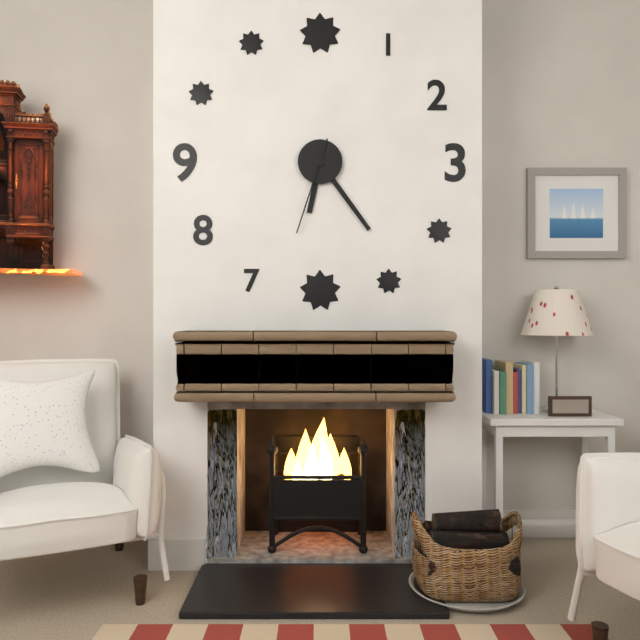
6:24:33
